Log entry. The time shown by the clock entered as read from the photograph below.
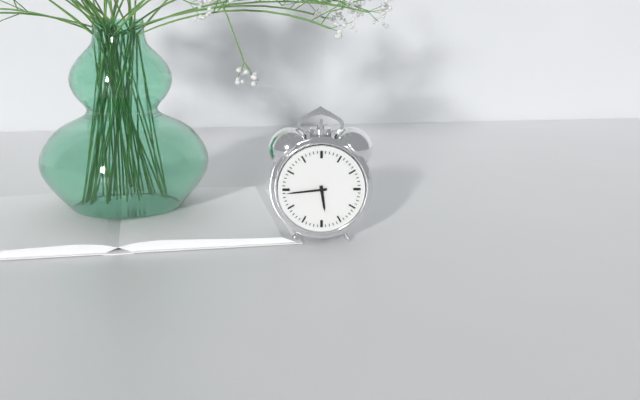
5:44
